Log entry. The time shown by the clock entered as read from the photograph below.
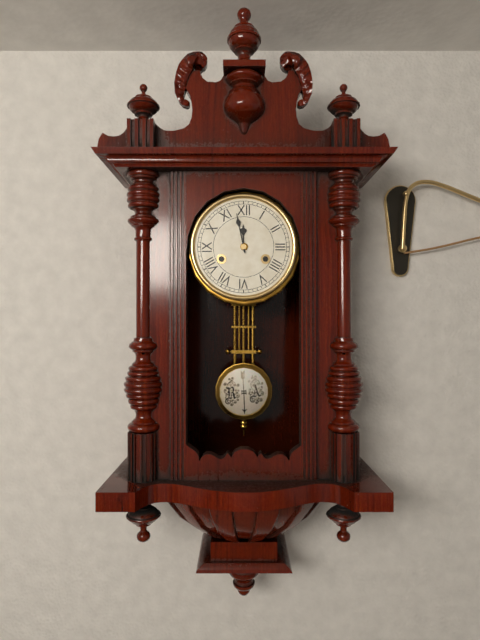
11:58
